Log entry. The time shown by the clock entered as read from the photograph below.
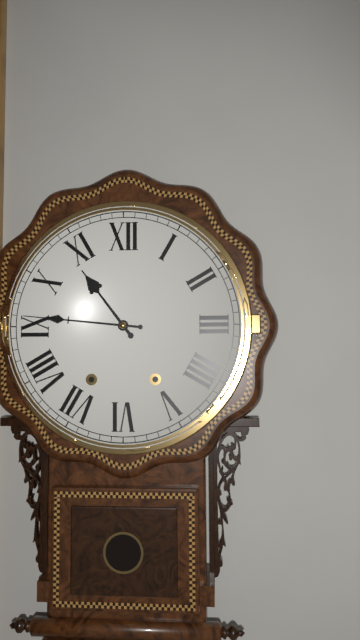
10:46
